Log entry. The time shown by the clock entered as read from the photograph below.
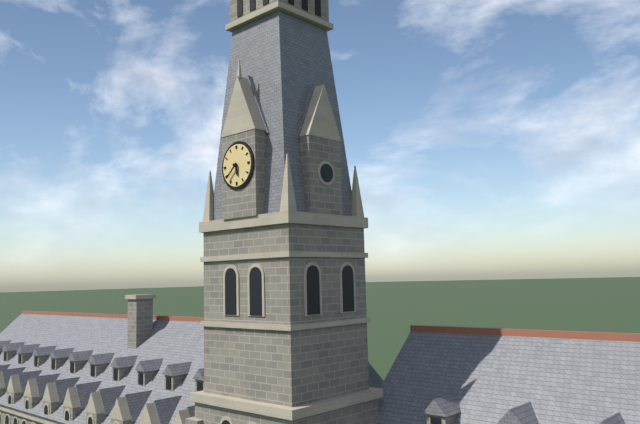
5:38
